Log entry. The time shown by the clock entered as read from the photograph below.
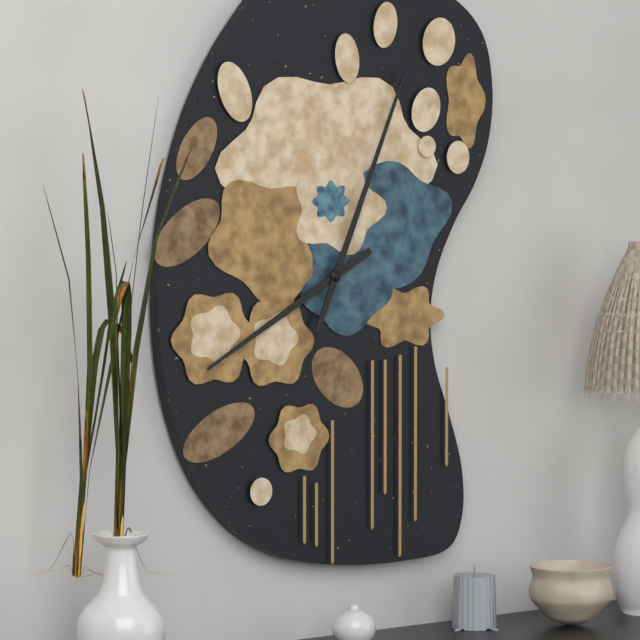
8:04
